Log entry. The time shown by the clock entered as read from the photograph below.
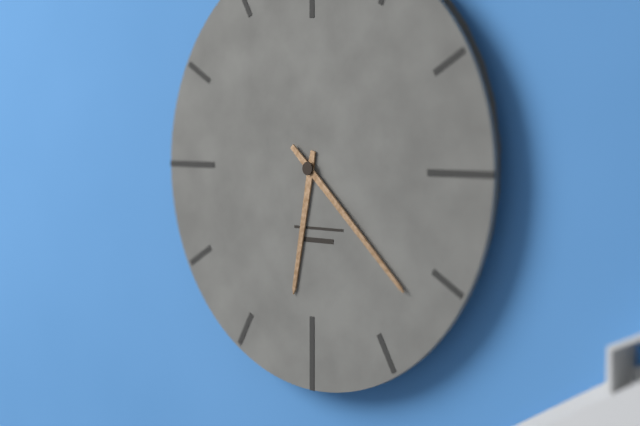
6:22
